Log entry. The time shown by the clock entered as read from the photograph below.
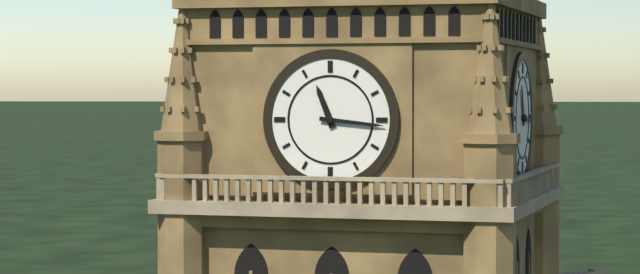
11:16
